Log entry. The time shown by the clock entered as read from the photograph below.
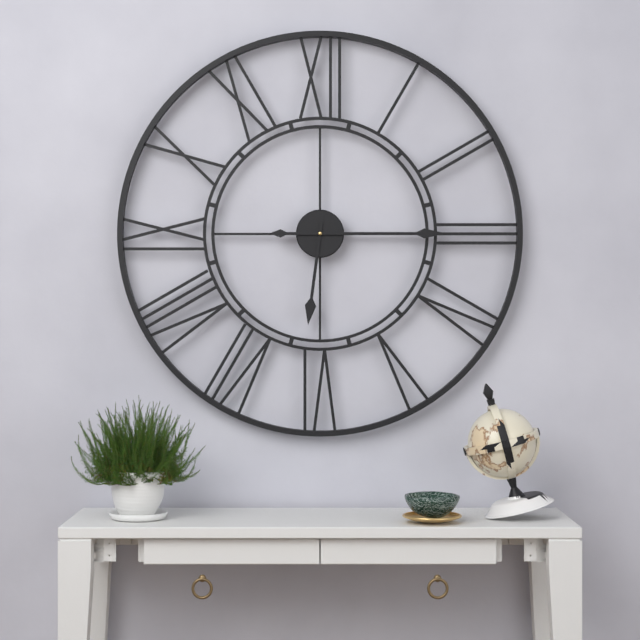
6:15
